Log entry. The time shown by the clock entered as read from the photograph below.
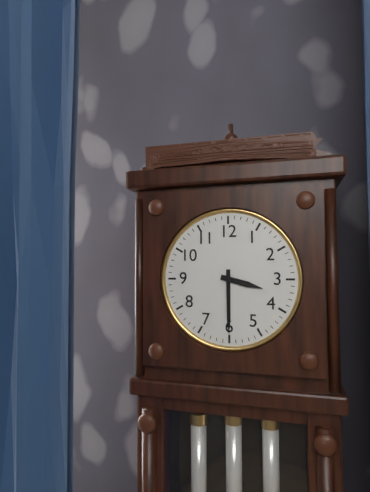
3:30
